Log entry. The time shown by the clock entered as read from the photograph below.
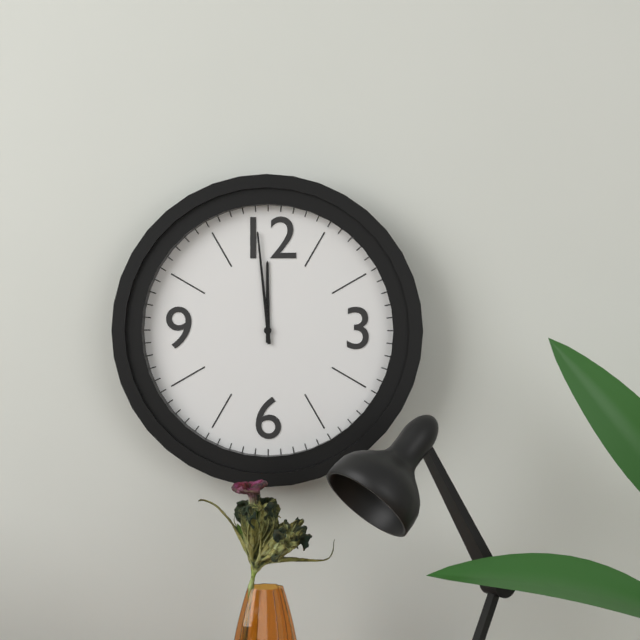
11:59
